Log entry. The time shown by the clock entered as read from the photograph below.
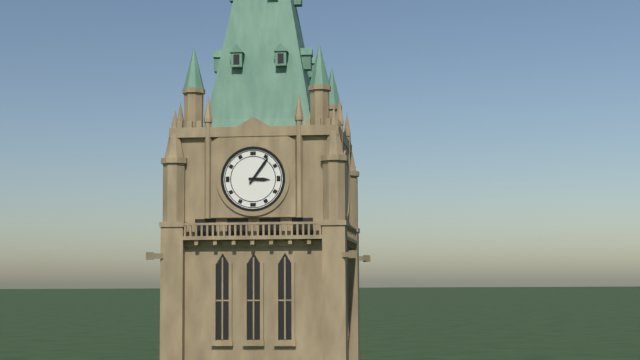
3:06
